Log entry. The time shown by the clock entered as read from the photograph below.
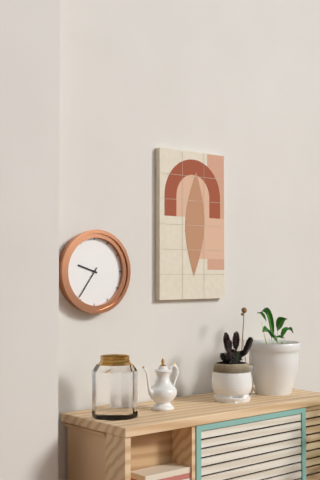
9:36
